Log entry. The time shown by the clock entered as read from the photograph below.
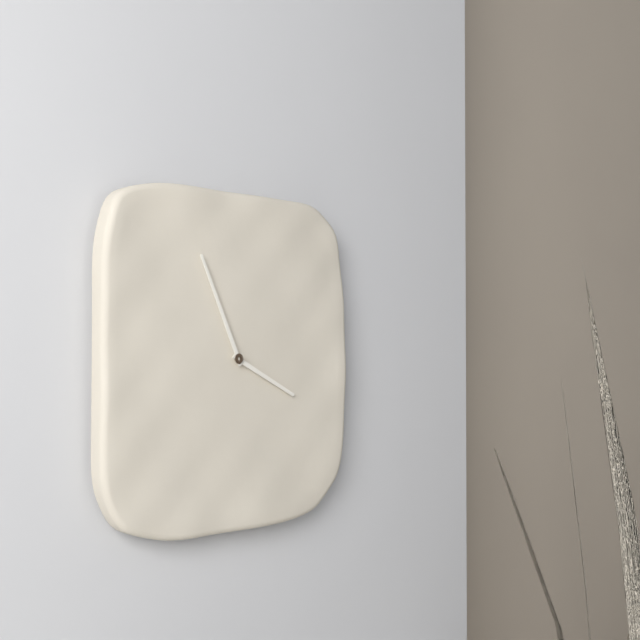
3:56
